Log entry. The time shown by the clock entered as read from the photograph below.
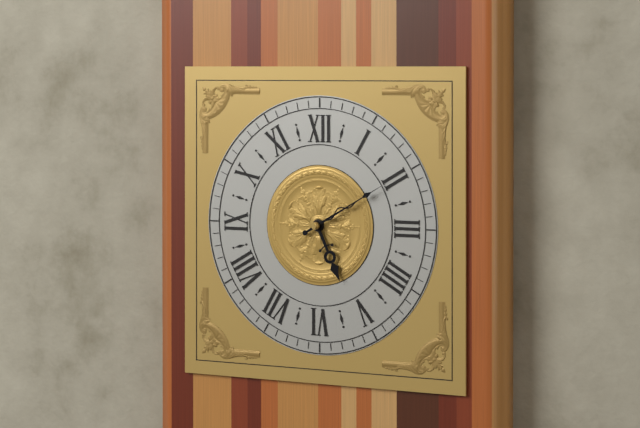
5:10
